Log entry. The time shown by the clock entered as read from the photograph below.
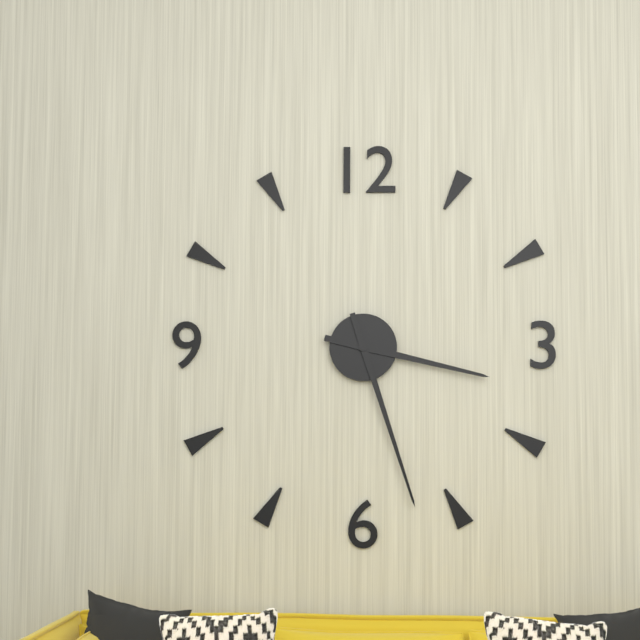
3:27
